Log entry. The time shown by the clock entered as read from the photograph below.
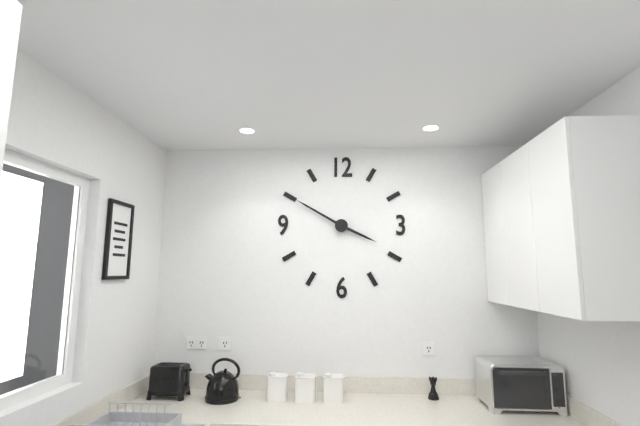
3:50
